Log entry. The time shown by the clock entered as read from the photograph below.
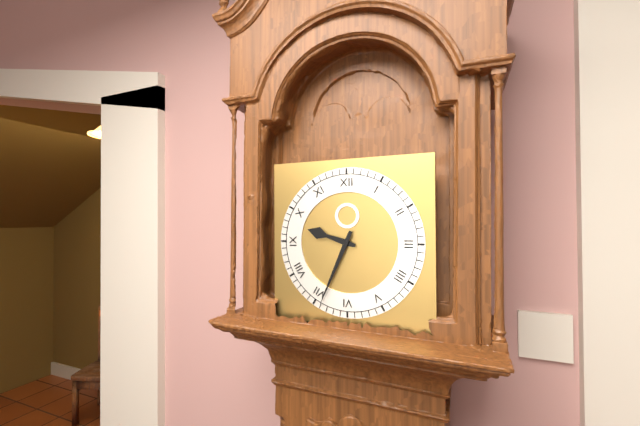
9:34
